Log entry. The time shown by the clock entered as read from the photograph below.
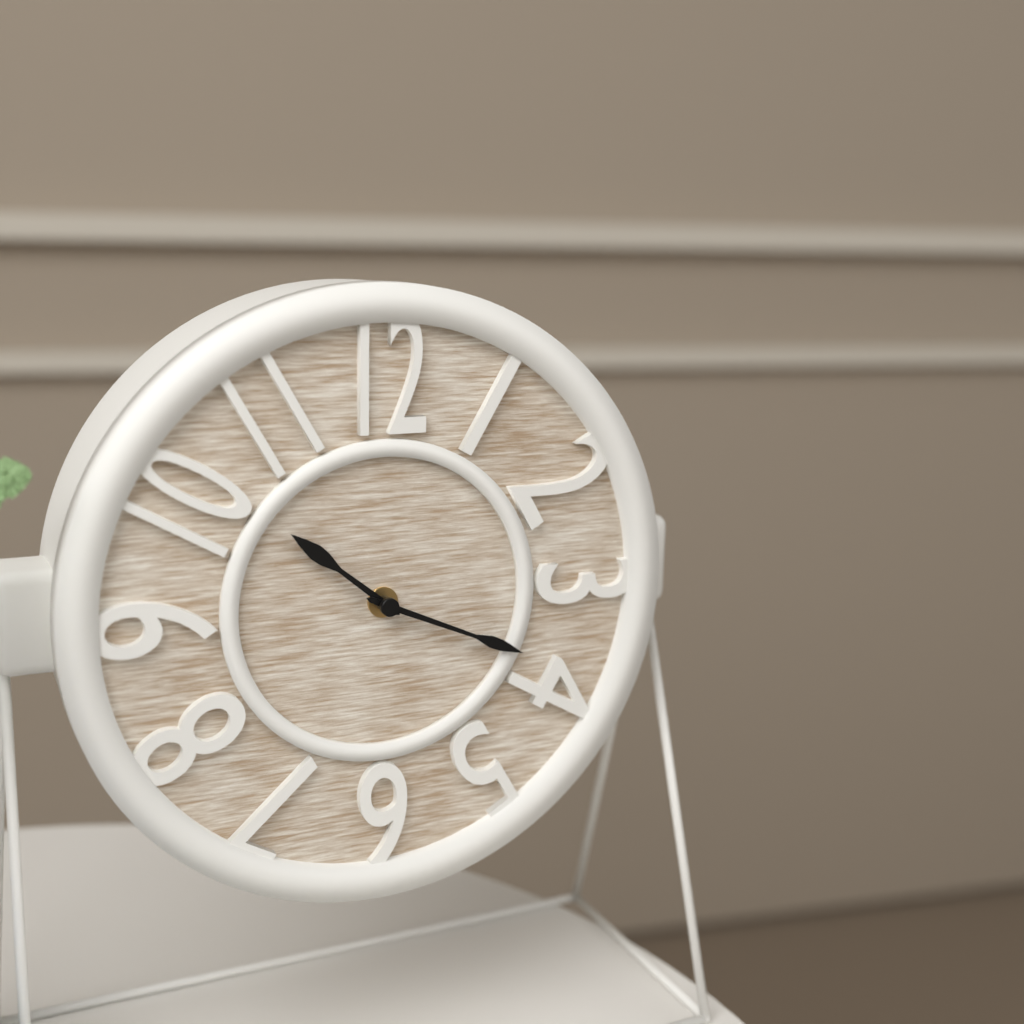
10:19
